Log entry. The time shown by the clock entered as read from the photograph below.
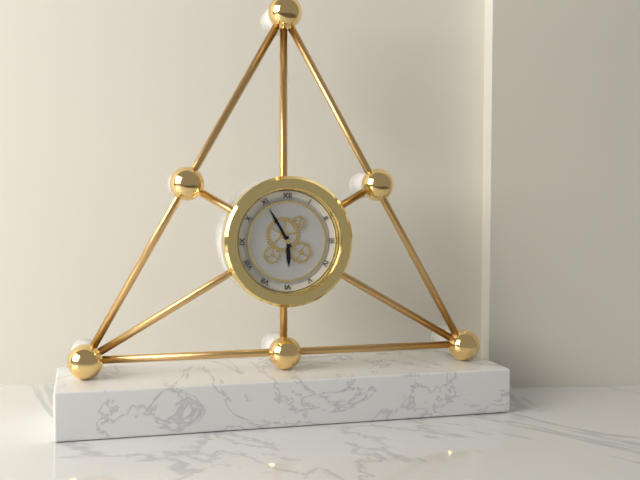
5:55
